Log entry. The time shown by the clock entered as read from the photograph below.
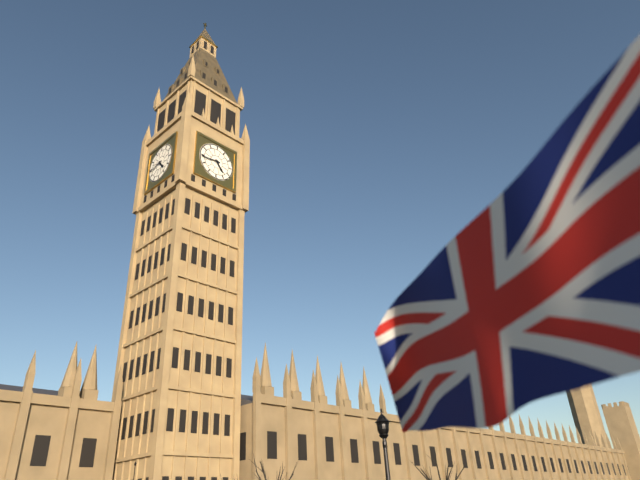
4:44
